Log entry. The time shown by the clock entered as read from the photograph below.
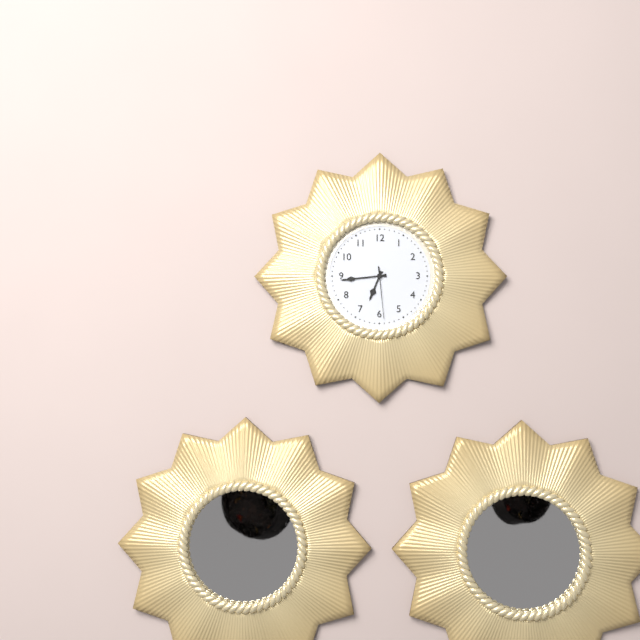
6:44:29
